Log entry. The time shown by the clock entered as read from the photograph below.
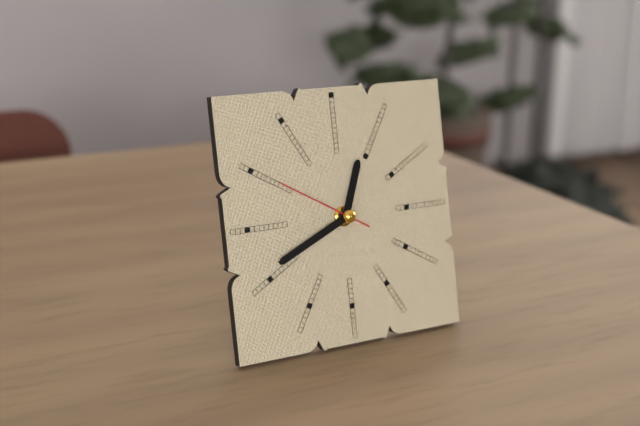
12:41:50
